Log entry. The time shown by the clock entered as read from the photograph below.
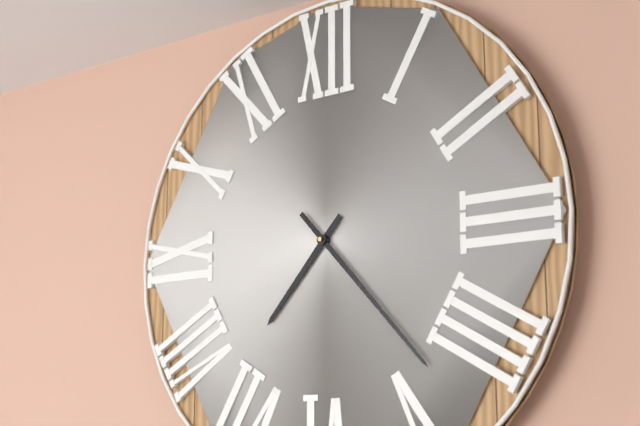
7:23
